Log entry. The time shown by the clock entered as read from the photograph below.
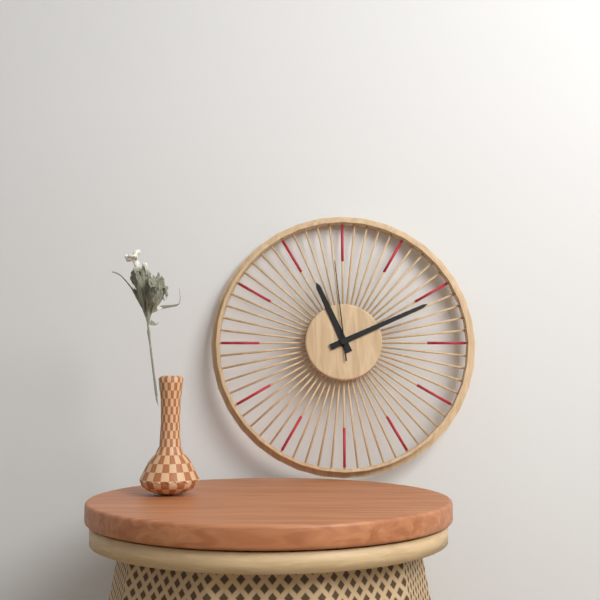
11:11:59
